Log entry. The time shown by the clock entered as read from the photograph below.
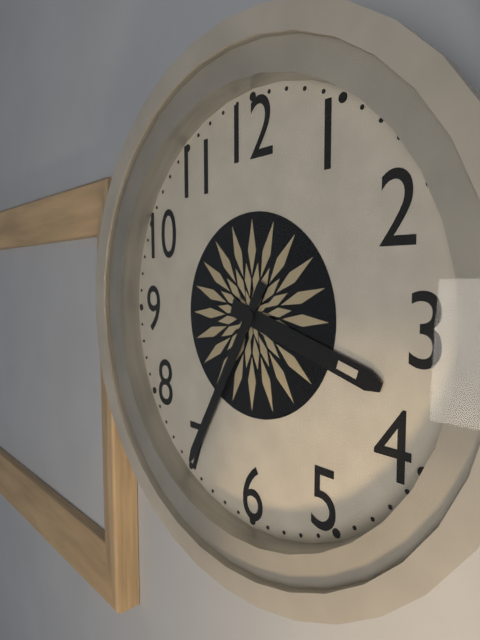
3:35
